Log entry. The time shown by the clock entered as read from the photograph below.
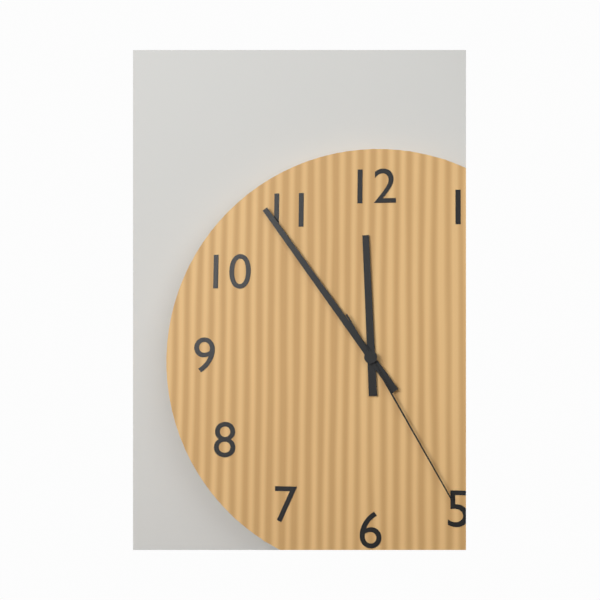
11:54:25
